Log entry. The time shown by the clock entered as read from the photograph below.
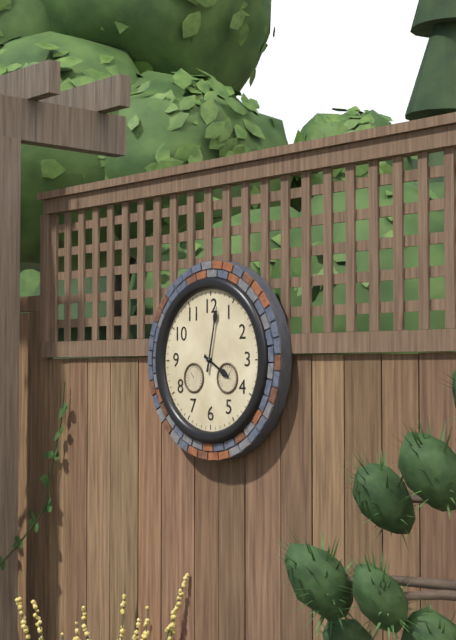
4:02
